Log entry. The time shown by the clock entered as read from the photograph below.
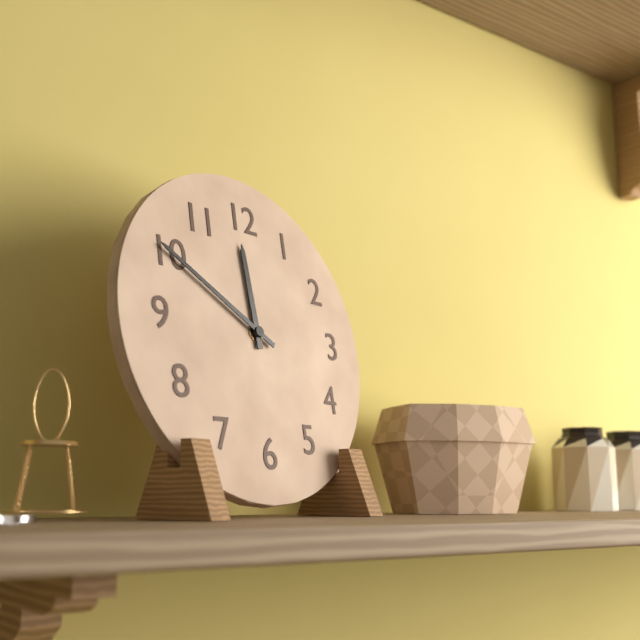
11:50
